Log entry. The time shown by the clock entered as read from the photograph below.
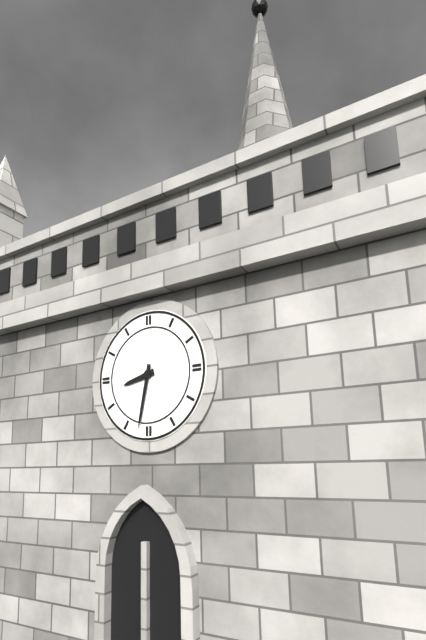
8:32
